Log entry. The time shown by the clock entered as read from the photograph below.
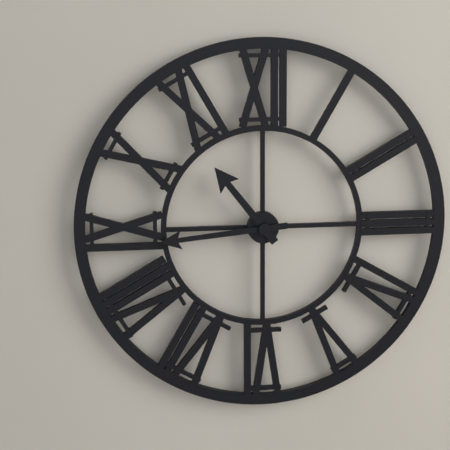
10:44
